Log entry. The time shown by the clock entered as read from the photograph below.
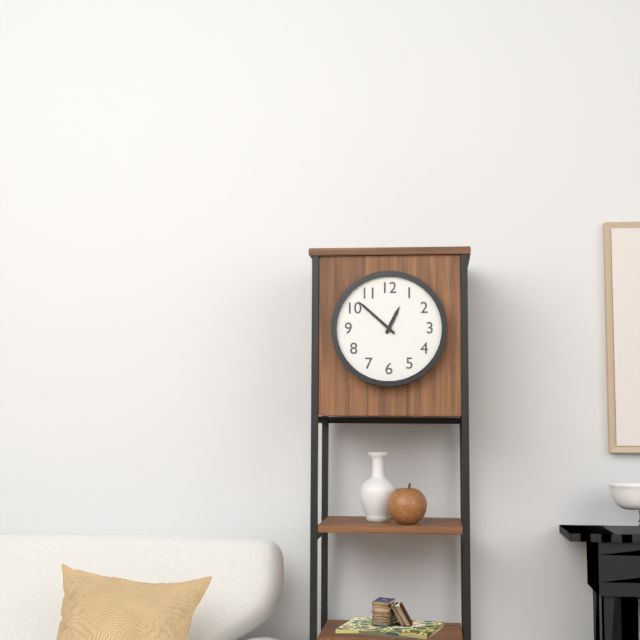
12:52
